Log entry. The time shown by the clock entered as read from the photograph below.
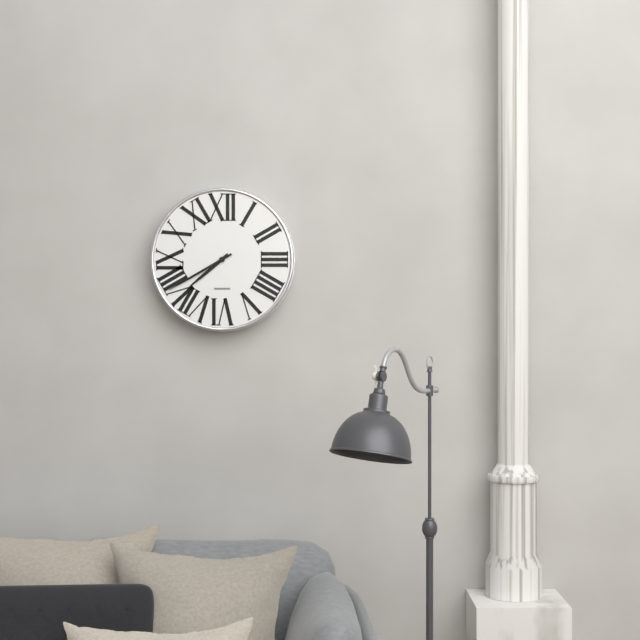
7:40
